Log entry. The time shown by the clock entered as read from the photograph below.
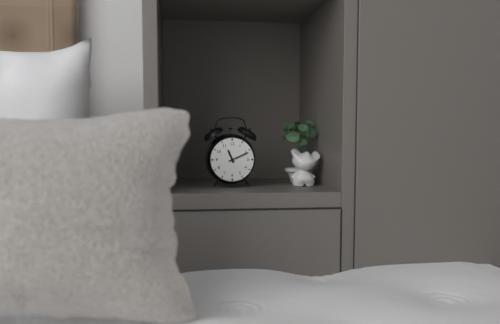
11:11
